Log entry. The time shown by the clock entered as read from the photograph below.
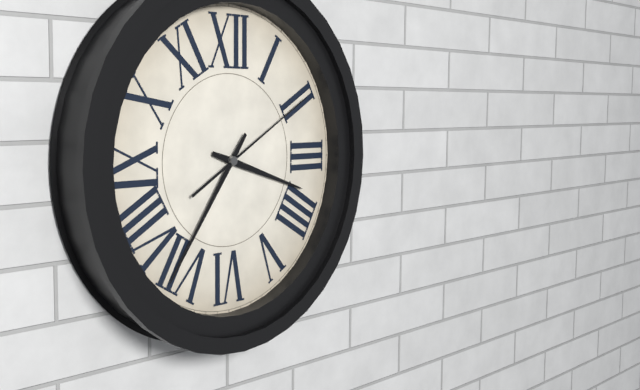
3:36:10
